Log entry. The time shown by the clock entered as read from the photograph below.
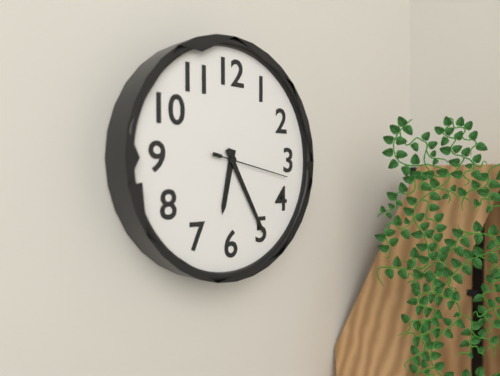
6:25:17
